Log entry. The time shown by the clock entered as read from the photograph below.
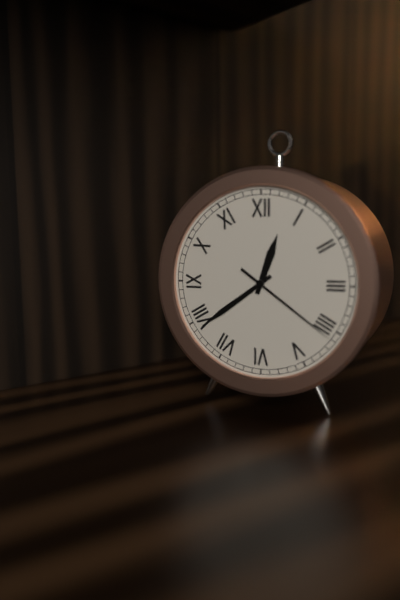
12:39:21
